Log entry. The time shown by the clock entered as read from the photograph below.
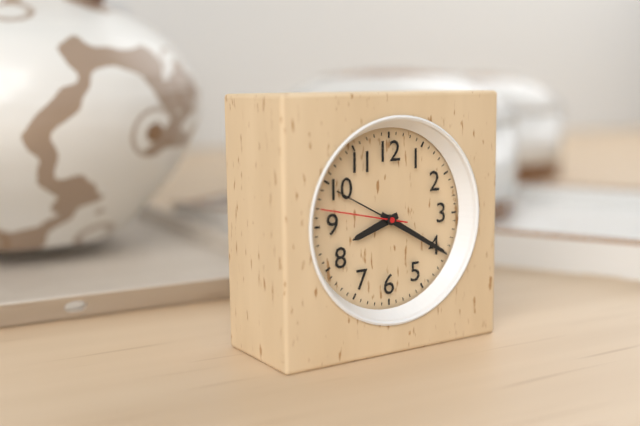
8:20:47
